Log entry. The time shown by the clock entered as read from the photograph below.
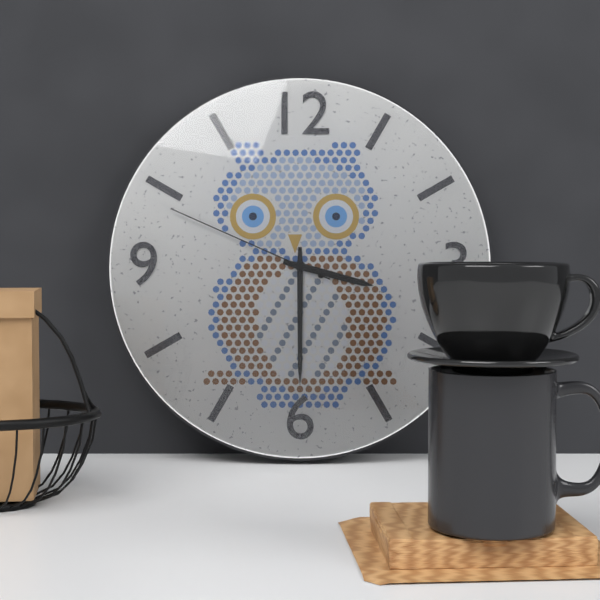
3:30:49
